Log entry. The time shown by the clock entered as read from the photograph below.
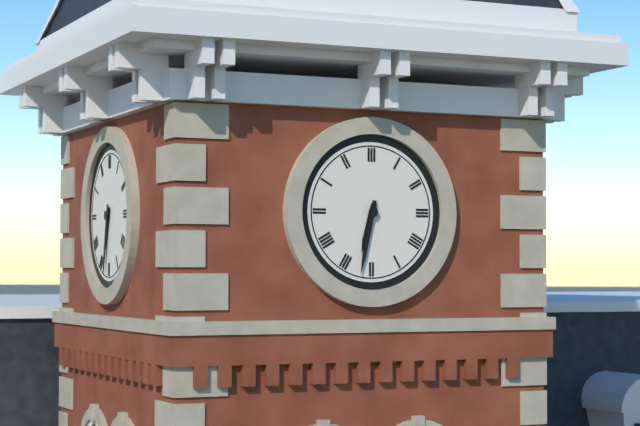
6:32
